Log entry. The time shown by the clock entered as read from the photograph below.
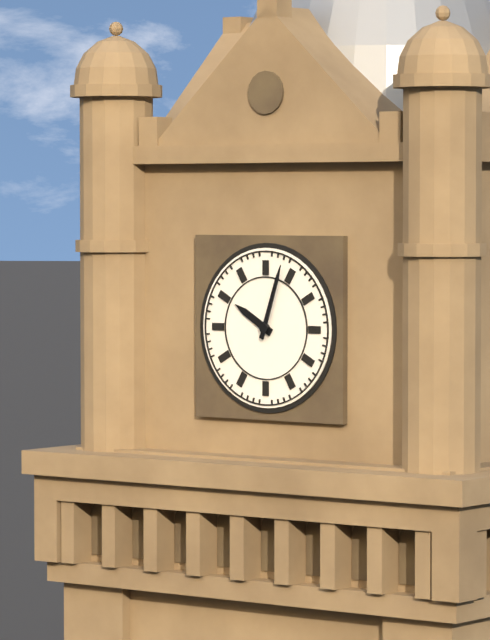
10:03
